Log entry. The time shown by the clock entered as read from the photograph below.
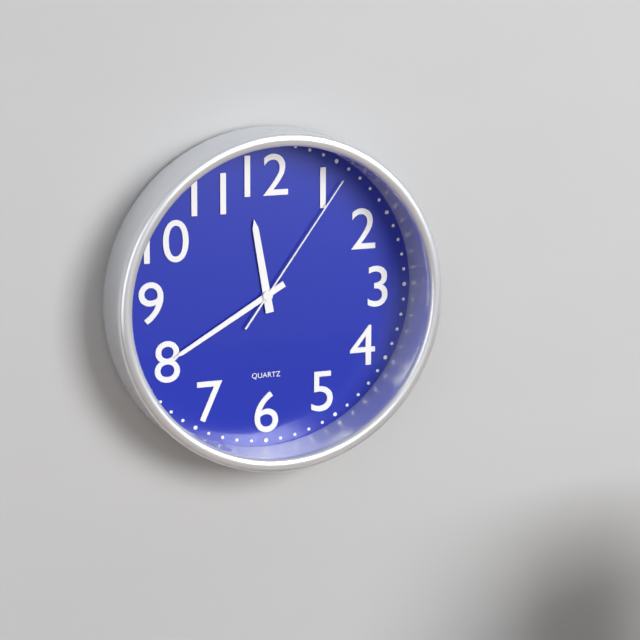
11:40:06
